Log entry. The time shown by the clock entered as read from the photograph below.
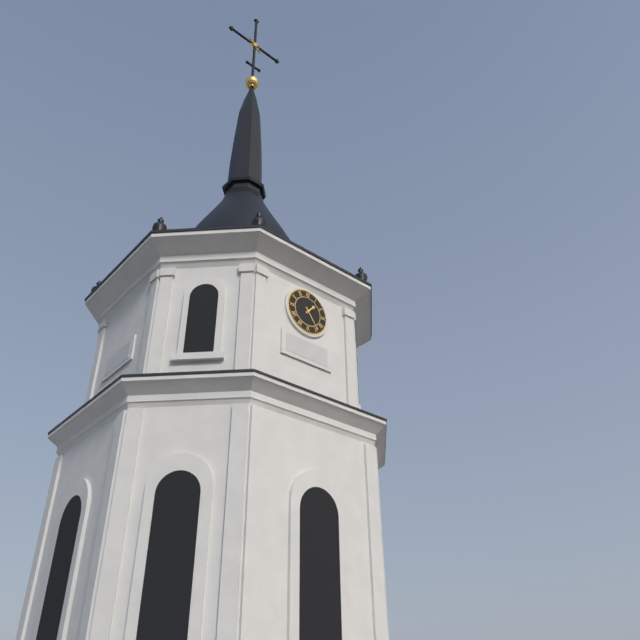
1:24
